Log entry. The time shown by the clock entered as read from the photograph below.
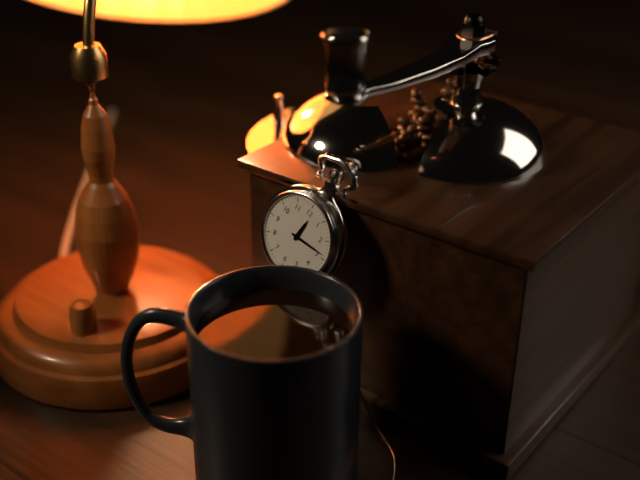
12:14
